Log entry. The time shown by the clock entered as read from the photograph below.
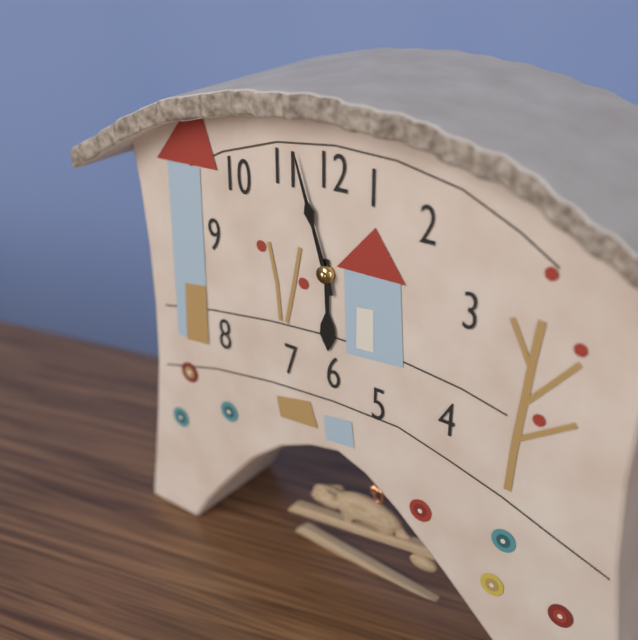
5:57
